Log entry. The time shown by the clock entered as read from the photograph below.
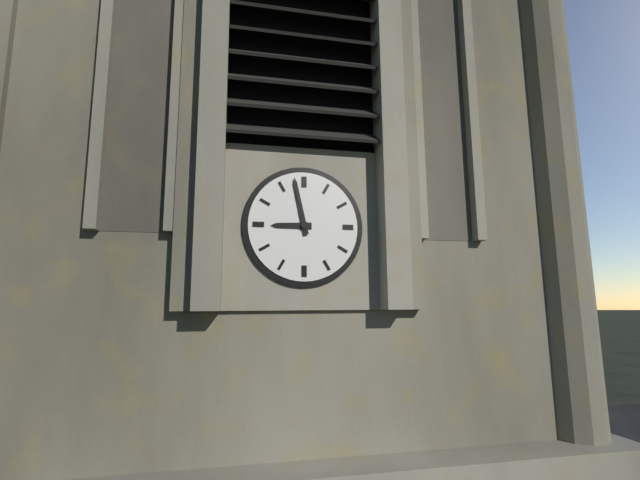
8:58
